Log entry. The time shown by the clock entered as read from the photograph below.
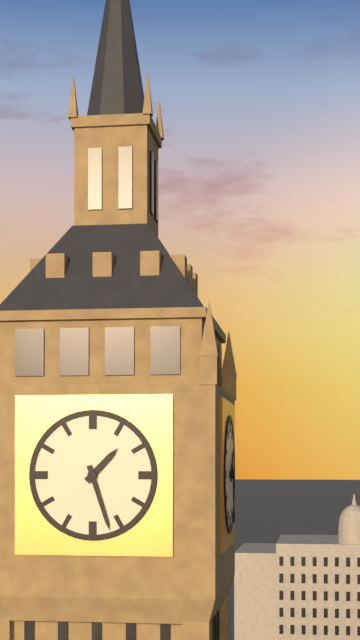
1:27
